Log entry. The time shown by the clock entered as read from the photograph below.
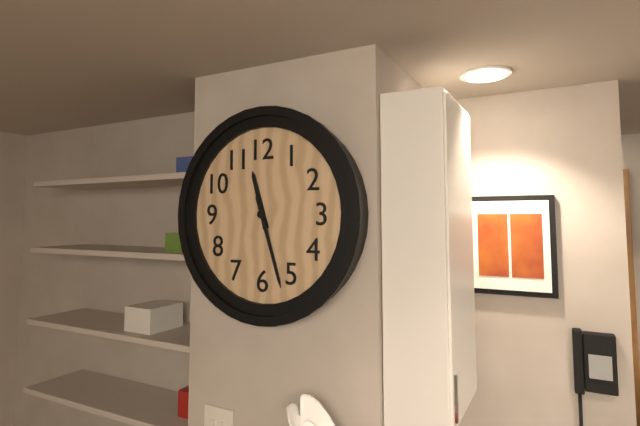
11:27
